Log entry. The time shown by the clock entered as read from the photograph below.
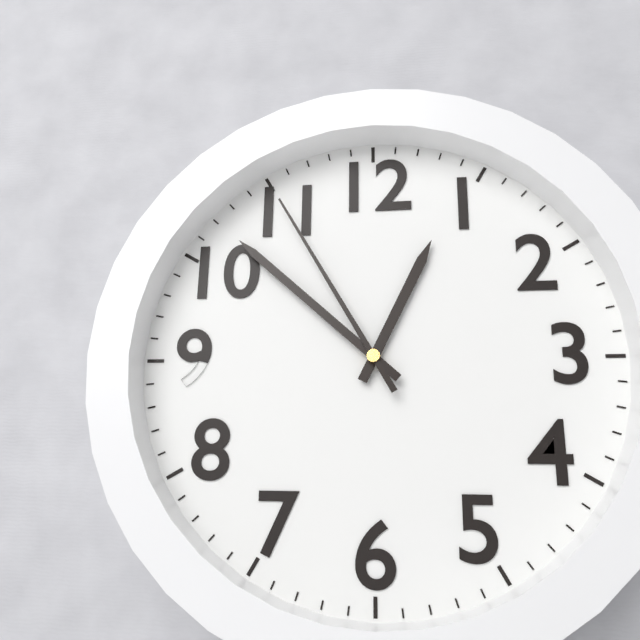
12:52:55
